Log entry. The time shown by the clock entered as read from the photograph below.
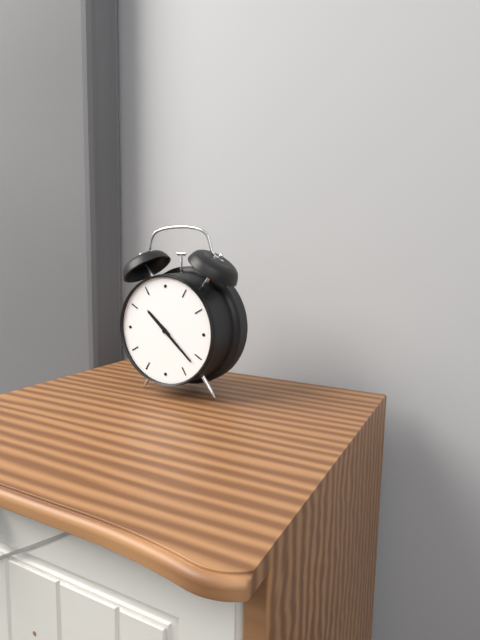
10:22
